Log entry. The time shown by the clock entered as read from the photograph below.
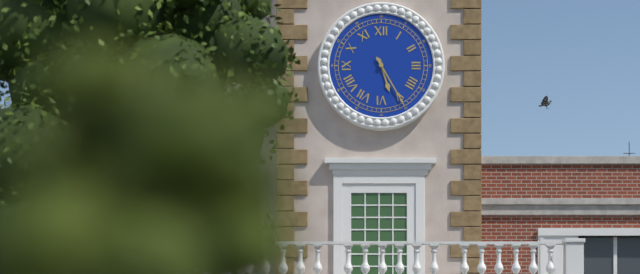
5:25
